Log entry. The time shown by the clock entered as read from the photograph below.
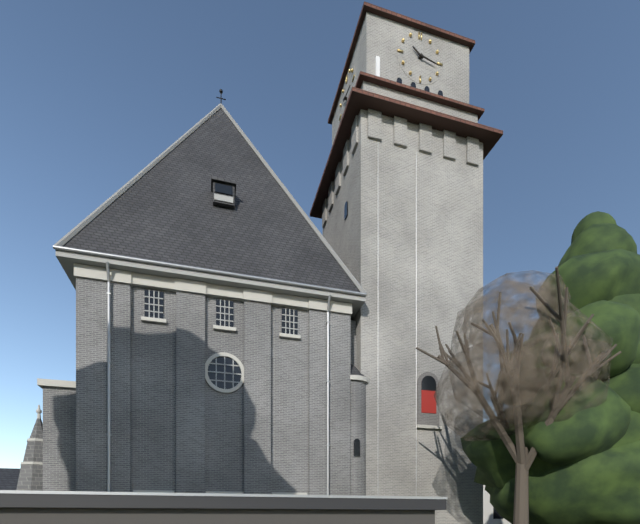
10:17
